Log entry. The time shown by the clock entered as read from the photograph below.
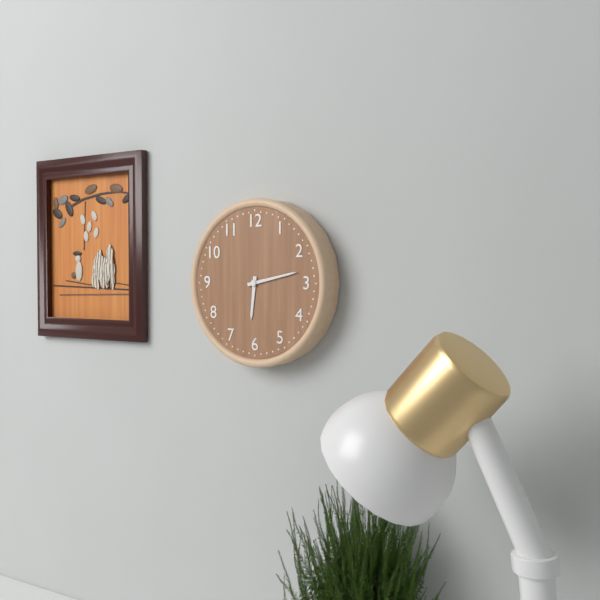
6:13
